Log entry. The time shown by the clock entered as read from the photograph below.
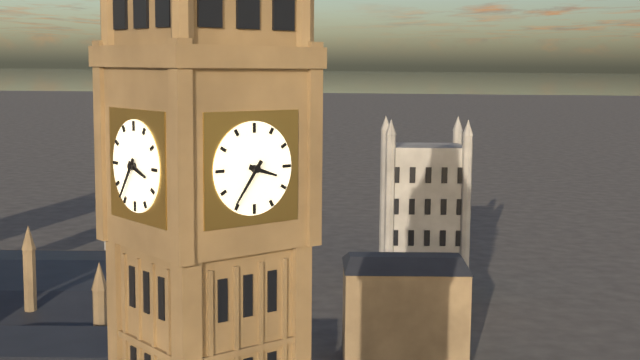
3:36
